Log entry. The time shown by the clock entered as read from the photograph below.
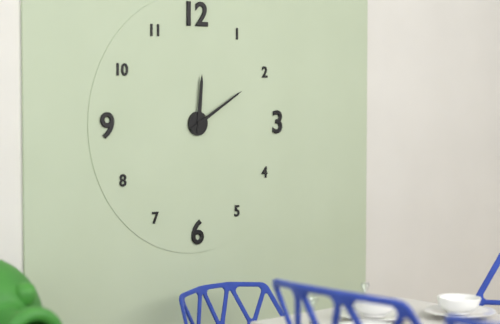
12:10
